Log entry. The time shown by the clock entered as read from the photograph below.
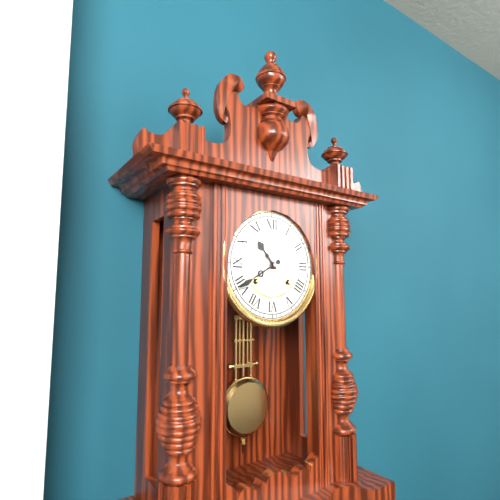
10:40
